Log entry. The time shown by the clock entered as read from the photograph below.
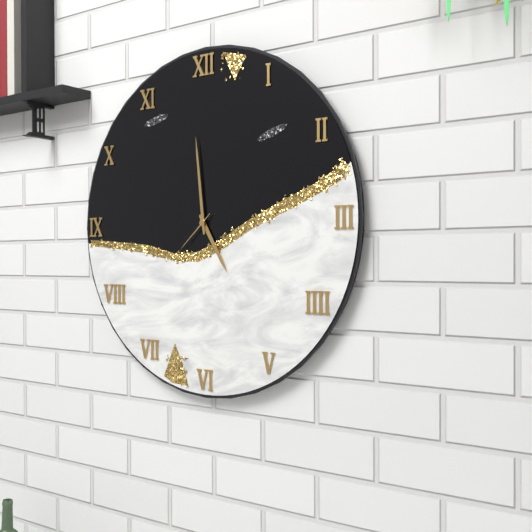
4:59:38
